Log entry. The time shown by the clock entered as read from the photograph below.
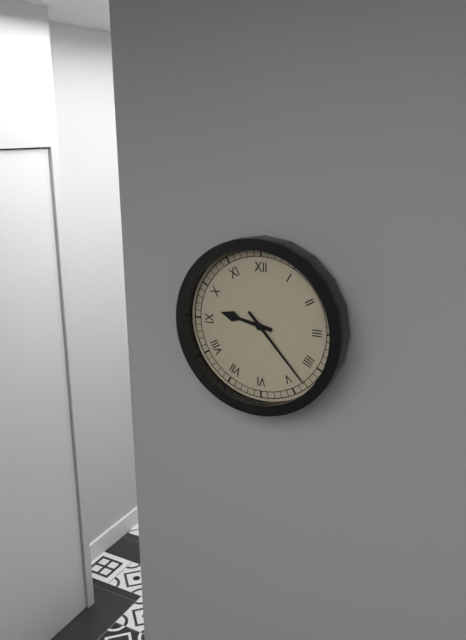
9:23
